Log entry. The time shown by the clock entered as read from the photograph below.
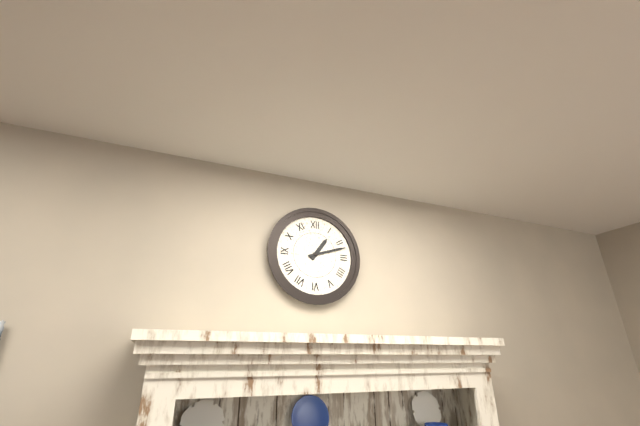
1:12
